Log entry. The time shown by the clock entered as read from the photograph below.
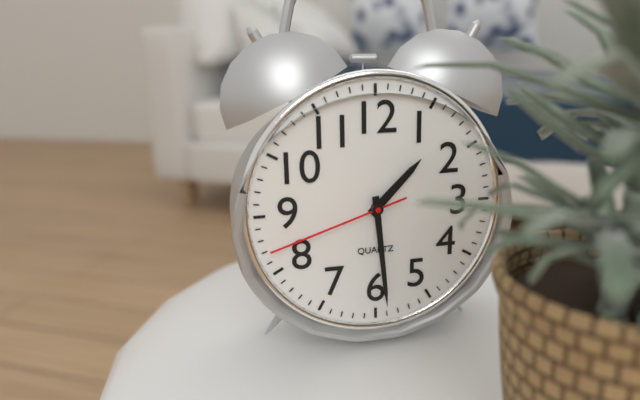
1:29:42
